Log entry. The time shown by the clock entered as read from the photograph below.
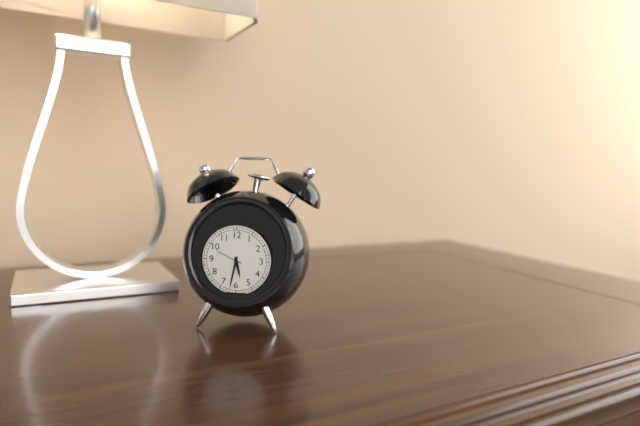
5:32
